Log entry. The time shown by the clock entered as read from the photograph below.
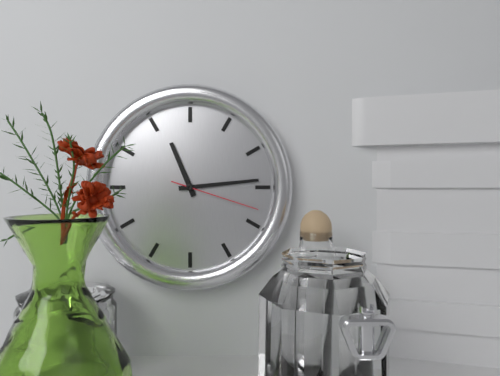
11:14:18
